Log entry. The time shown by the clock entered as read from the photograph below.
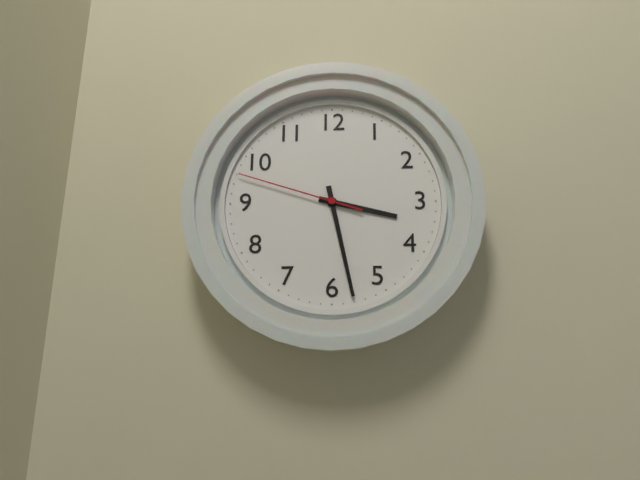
3:28:48
